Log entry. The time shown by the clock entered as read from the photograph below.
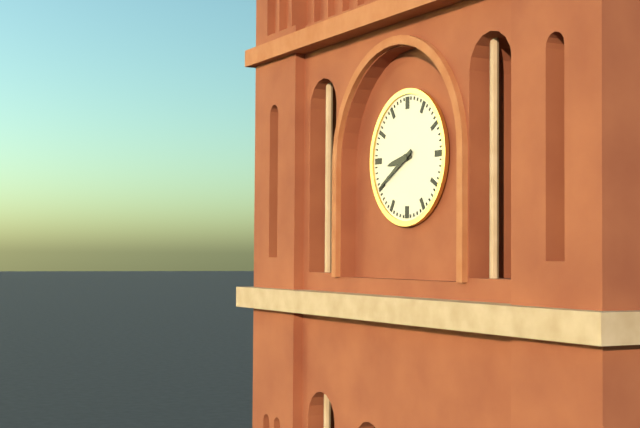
8:40
